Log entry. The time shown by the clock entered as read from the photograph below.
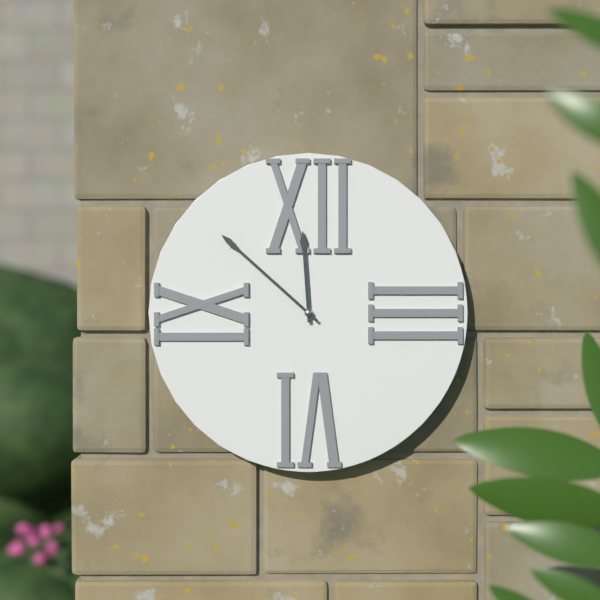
11:52
